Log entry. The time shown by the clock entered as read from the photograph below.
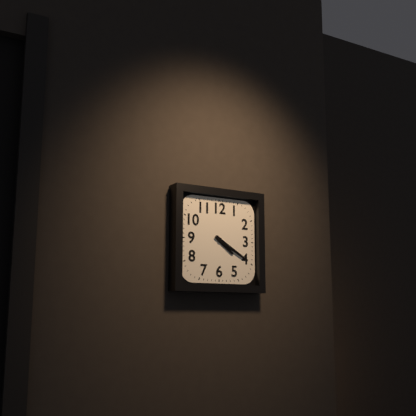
4:20
